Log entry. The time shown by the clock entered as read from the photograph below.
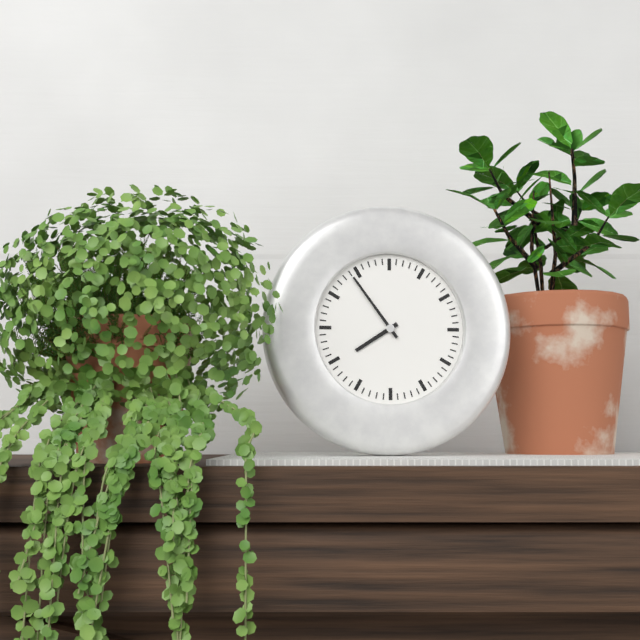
7:54
